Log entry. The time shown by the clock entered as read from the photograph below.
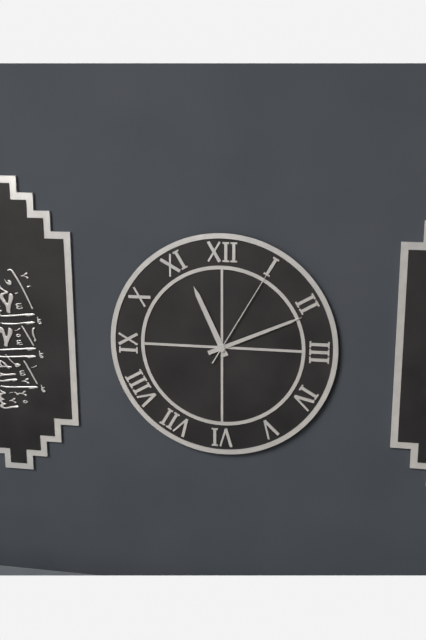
11:11:05
